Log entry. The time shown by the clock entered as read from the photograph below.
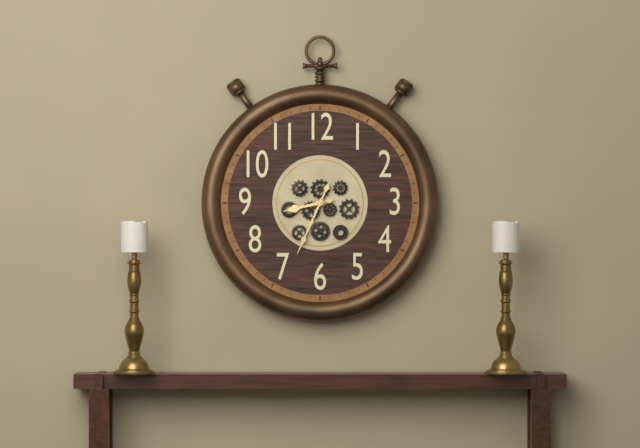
8:34
